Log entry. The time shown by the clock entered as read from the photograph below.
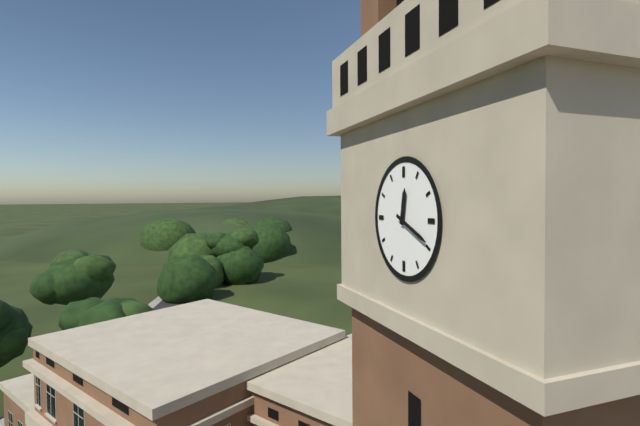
12:19
